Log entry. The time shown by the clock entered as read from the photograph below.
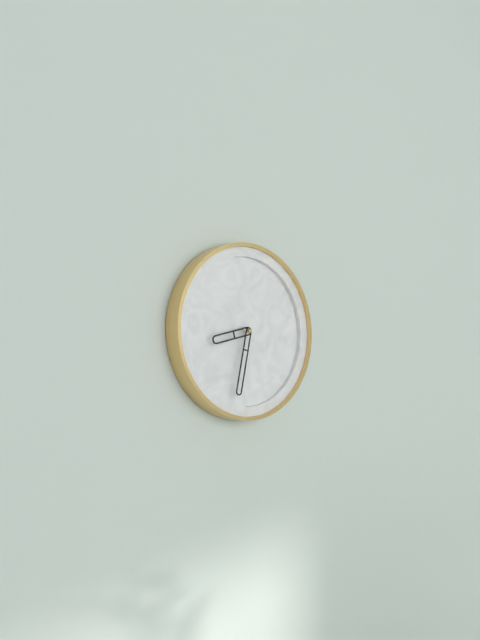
8:32
